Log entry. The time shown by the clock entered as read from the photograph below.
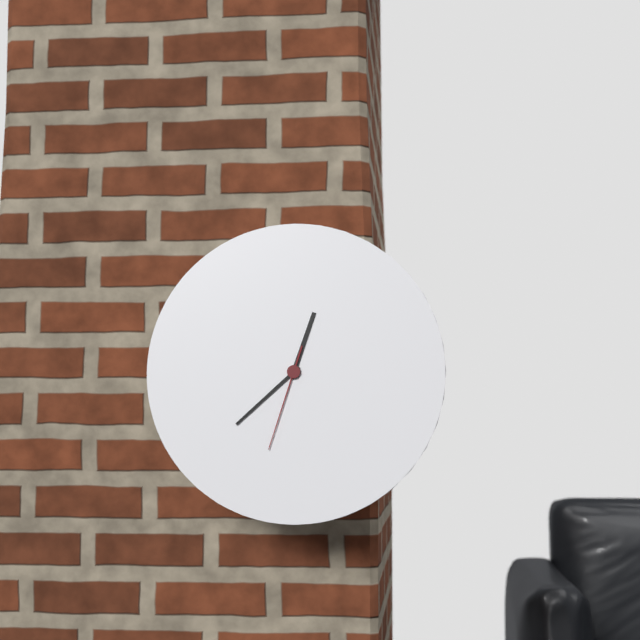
12:38:33
